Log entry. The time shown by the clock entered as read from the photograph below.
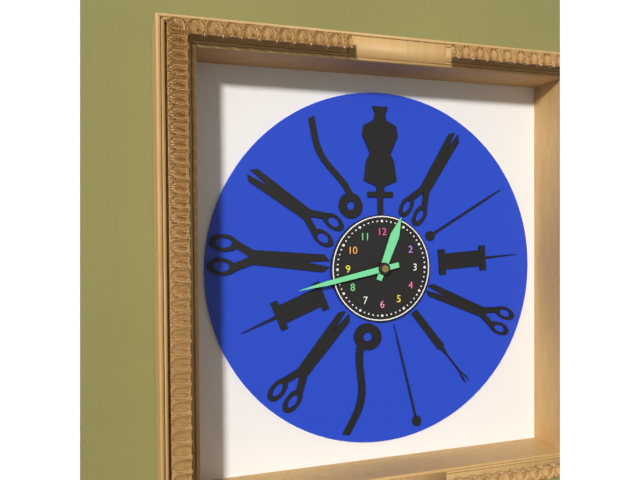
12:43
